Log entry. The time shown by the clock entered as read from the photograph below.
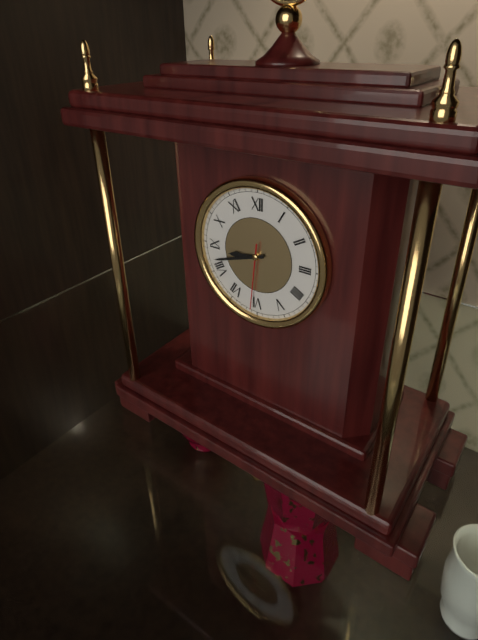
8:42:31
